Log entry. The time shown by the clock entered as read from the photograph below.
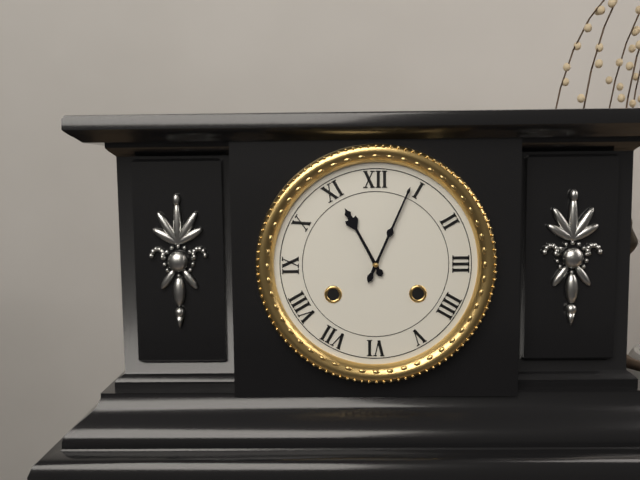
11:04
